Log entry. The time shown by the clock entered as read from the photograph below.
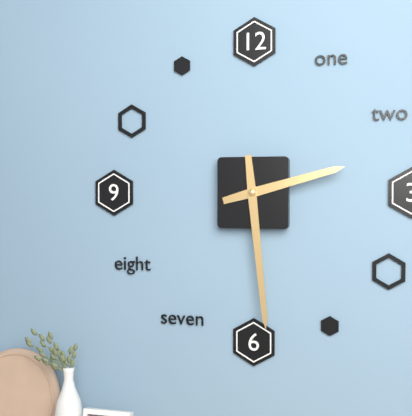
2:29
